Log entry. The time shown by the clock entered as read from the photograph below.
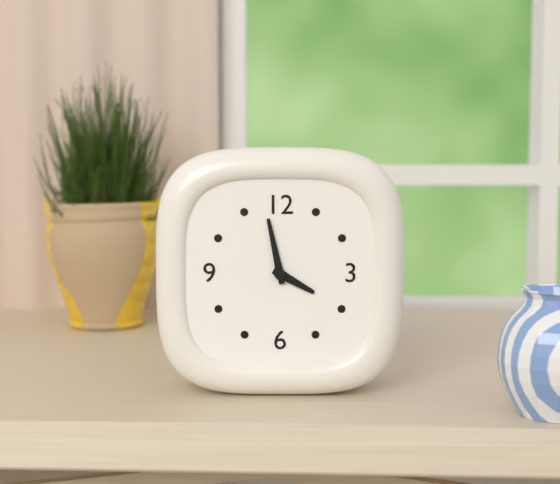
3:58
